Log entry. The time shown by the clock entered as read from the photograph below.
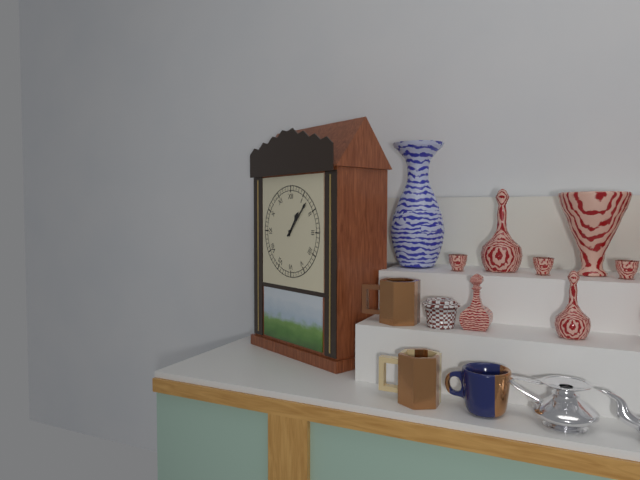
1:07
